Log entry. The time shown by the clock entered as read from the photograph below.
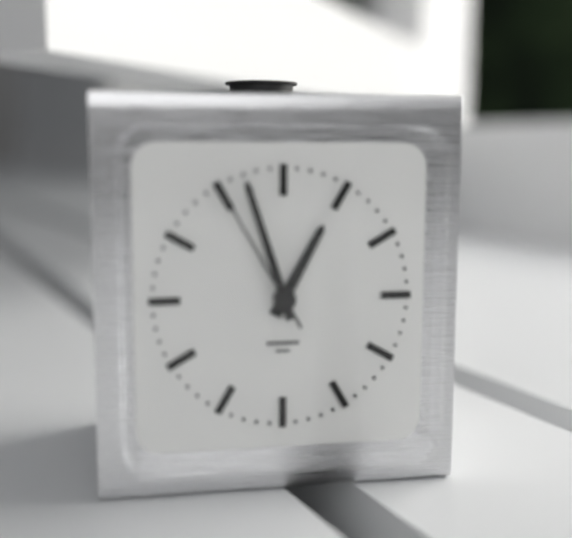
12:57:55
